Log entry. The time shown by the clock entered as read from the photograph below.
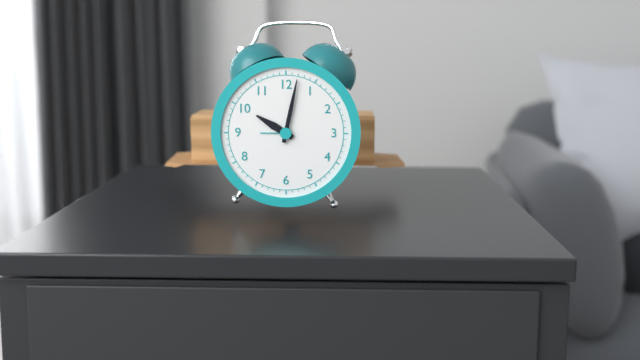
10:02
